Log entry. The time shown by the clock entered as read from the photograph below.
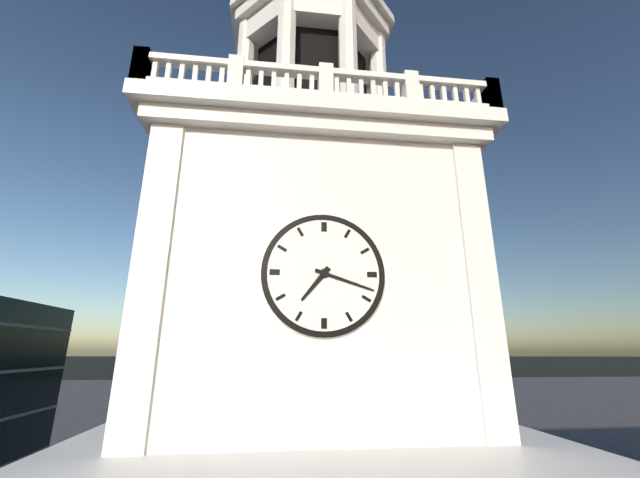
7:18
